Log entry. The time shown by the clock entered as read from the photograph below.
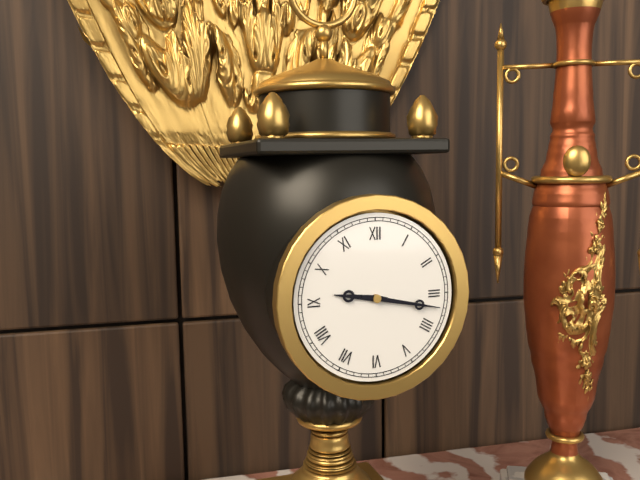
9:17
